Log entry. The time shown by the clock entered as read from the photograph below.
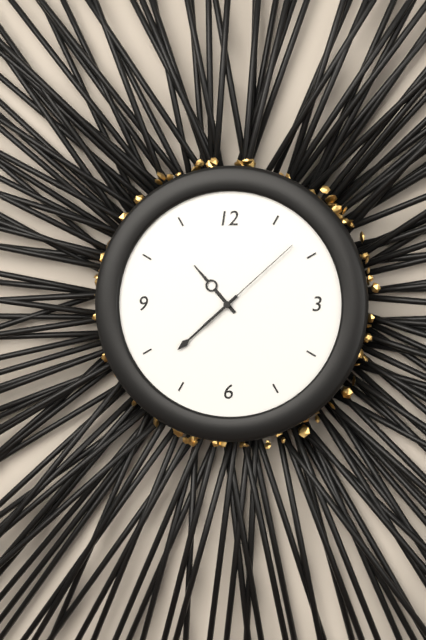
10:38:08
